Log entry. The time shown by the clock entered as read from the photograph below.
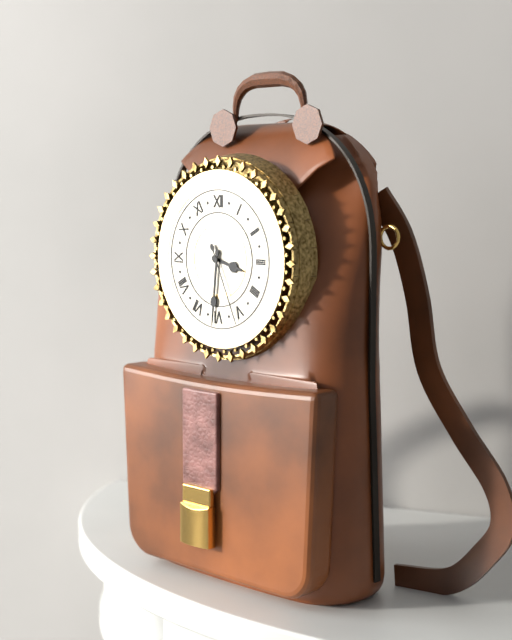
3:31:26
